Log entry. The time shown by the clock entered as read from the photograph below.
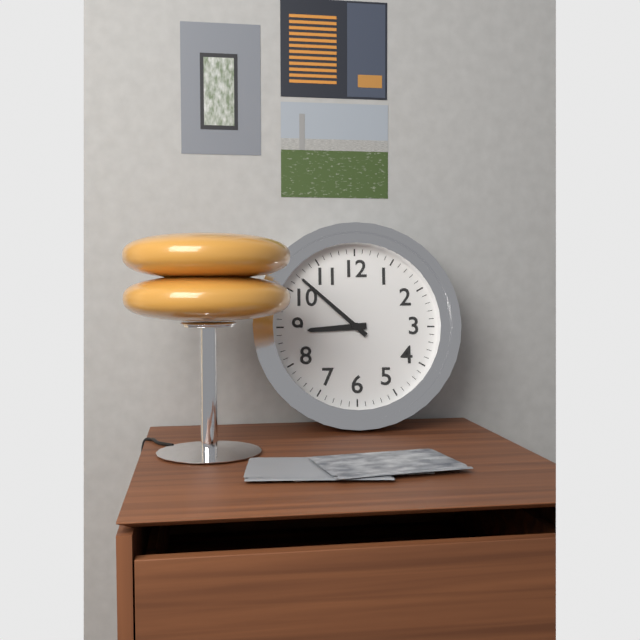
8:52
